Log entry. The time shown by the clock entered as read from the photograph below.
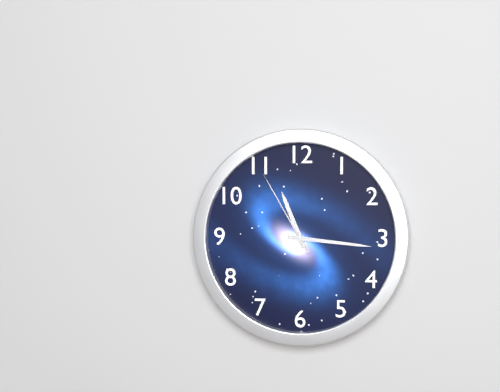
11:16:55
